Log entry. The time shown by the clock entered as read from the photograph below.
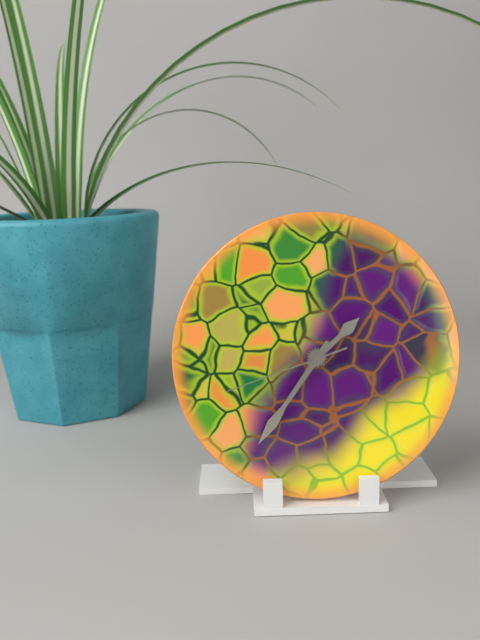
1:36:42
